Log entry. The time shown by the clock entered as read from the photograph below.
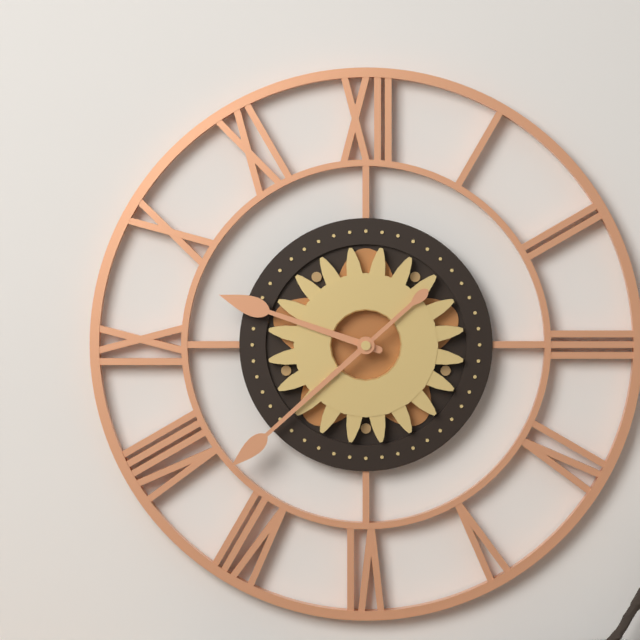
9:38
